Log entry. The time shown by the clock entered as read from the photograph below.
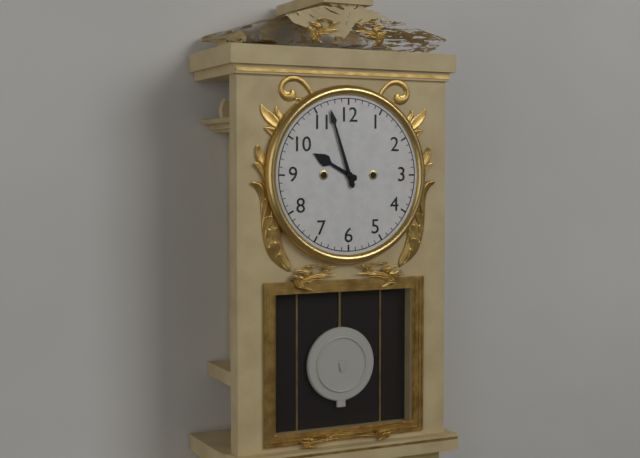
9:57
